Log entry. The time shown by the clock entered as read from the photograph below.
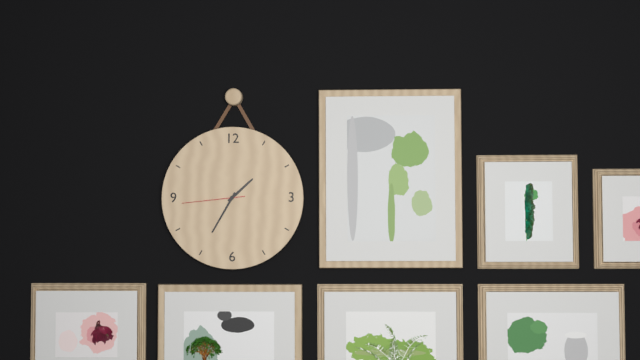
1:35:44
